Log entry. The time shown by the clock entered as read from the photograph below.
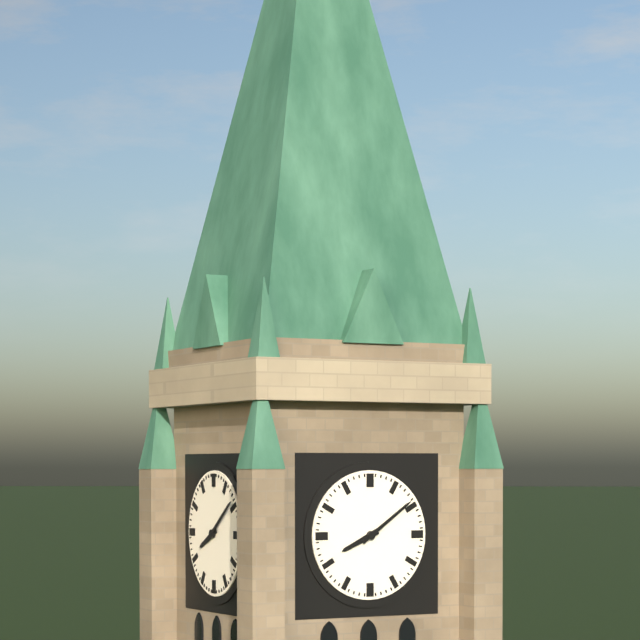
8:09
